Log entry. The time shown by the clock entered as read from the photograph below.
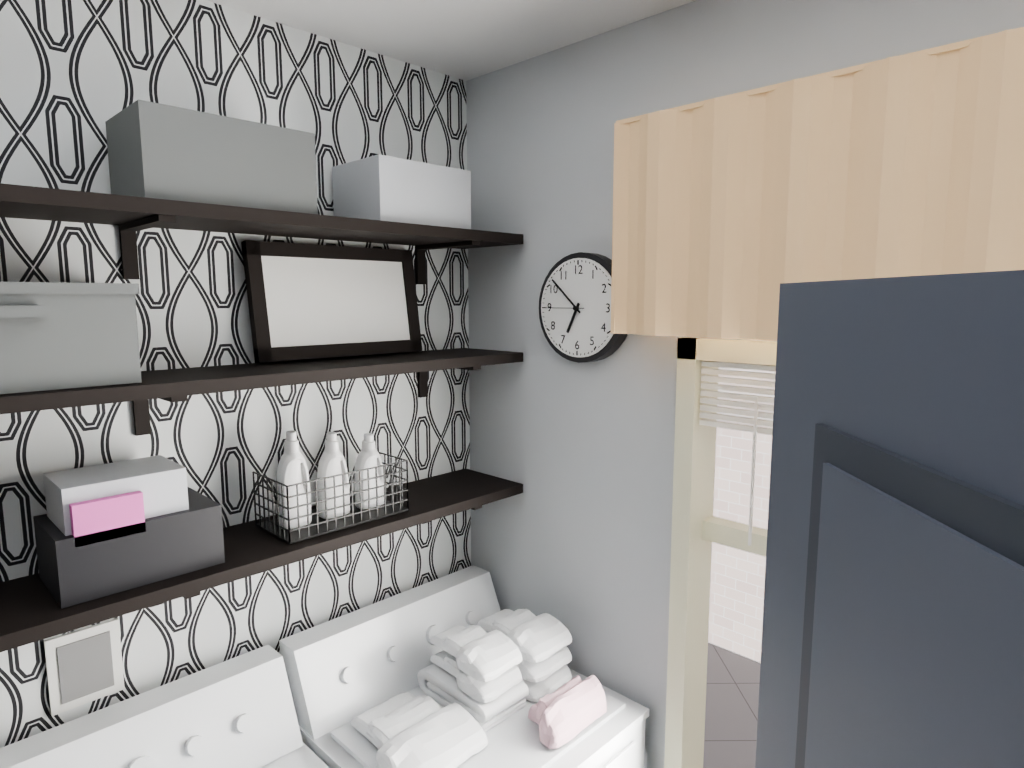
6:52
